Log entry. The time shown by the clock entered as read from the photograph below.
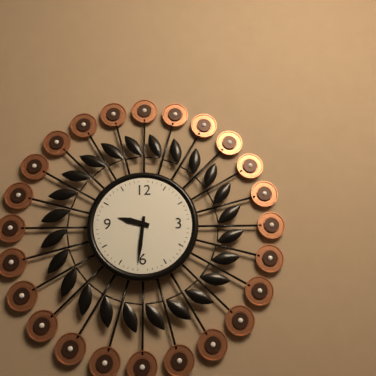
9:31
